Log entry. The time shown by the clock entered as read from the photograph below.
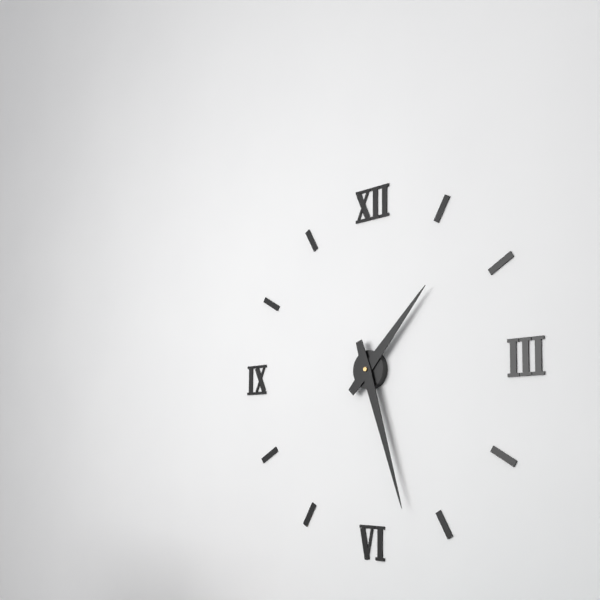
1:27
